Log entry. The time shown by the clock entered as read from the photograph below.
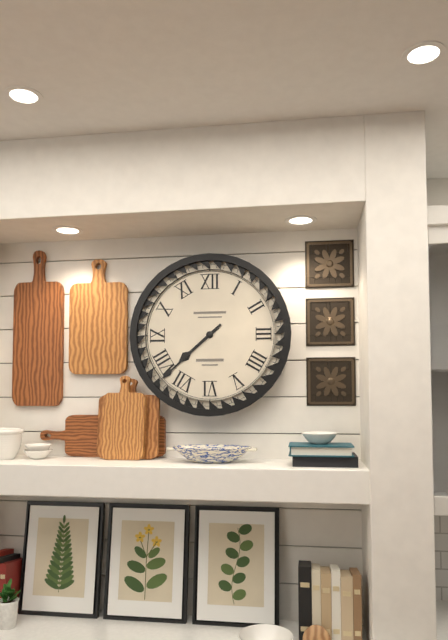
7:38
